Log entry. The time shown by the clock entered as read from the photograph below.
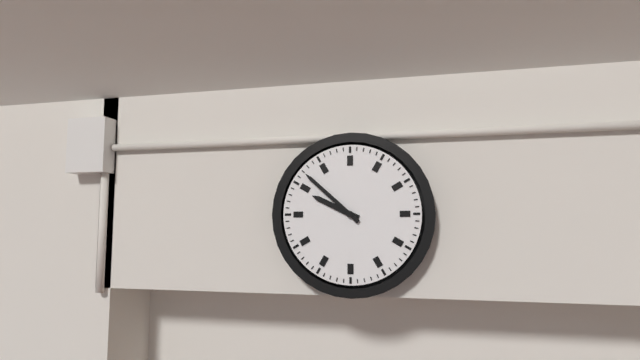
9:52
